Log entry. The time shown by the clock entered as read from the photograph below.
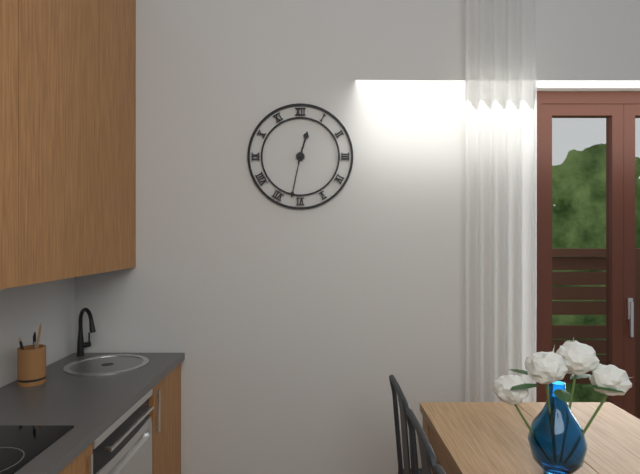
12:32
